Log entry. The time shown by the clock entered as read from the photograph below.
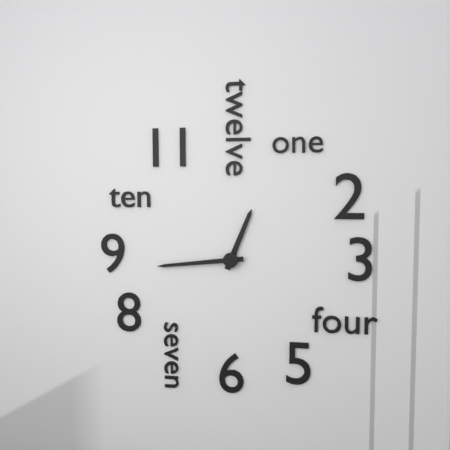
12:44
